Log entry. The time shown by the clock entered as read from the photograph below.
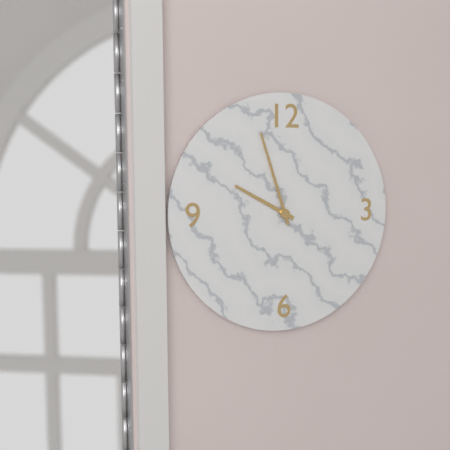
9:57
